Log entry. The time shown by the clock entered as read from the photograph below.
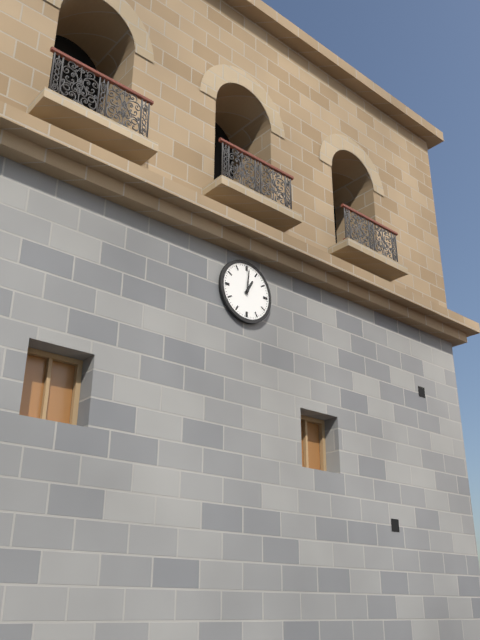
1:01
